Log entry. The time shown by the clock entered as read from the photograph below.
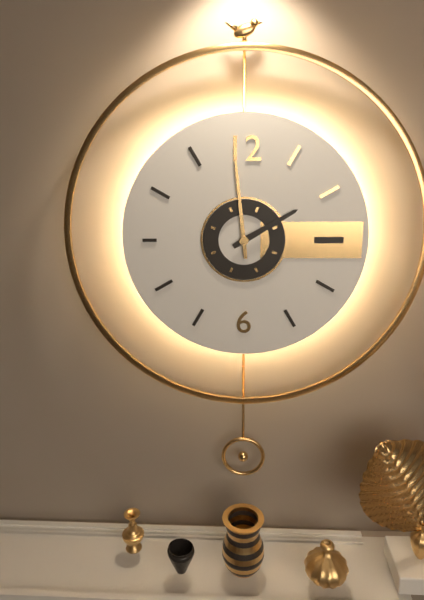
1:59
